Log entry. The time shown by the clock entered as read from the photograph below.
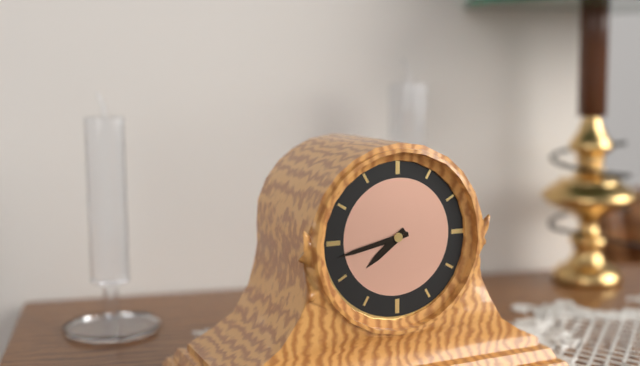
7:43
